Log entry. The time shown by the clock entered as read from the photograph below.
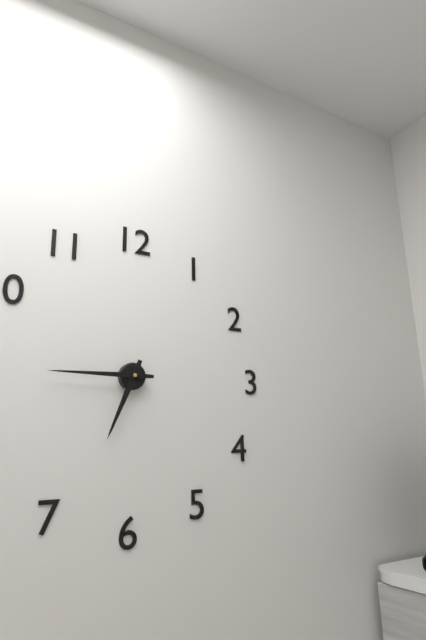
6:45
